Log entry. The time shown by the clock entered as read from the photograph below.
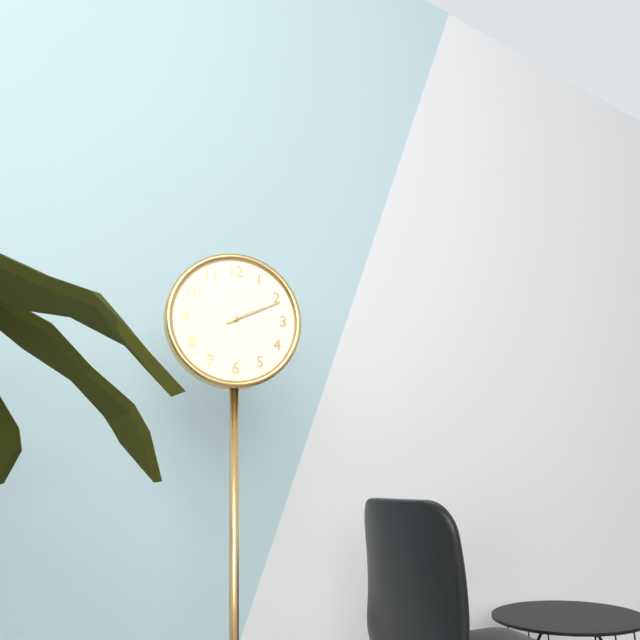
2:11
